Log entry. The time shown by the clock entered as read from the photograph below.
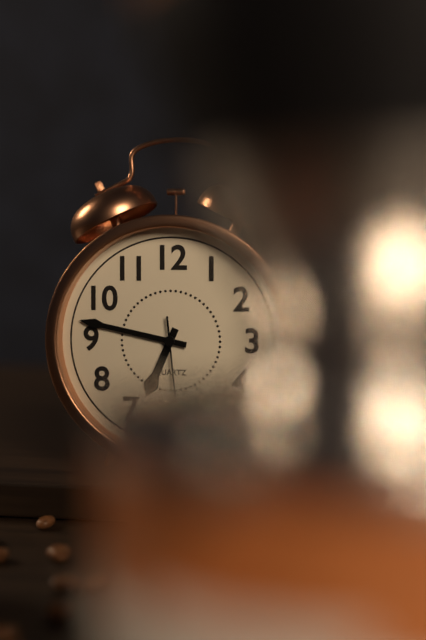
6:47
